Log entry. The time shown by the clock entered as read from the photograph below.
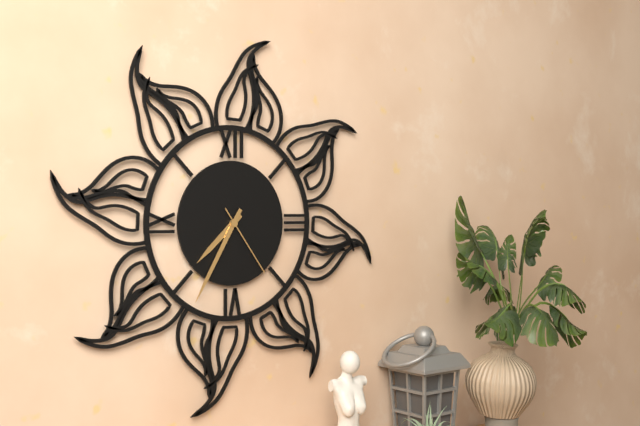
7:35:24
